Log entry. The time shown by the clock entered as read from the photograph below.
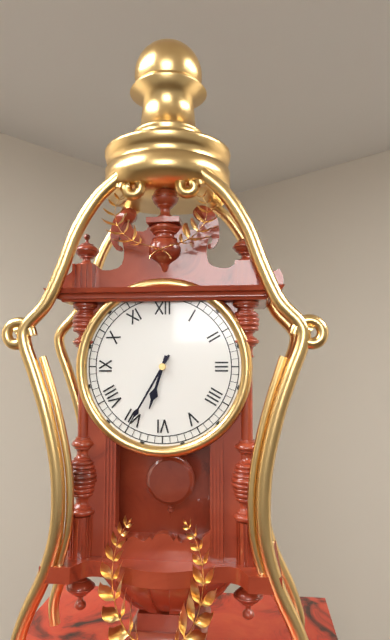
6:35
